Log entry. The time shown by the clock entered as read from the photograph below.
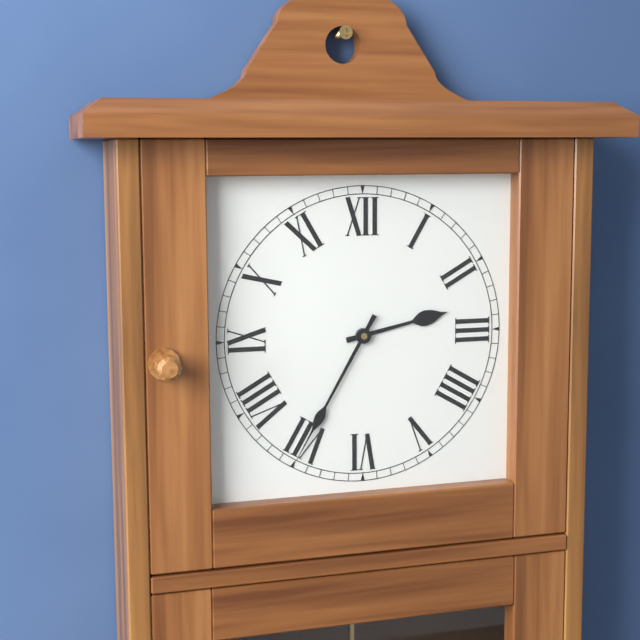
2:35
